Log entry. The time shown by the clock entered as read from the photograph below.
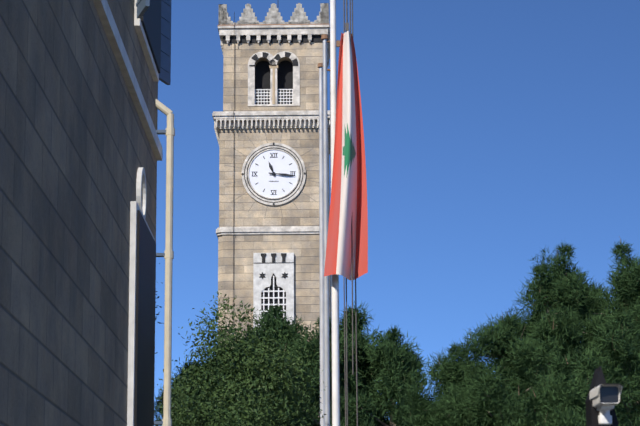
11:16
